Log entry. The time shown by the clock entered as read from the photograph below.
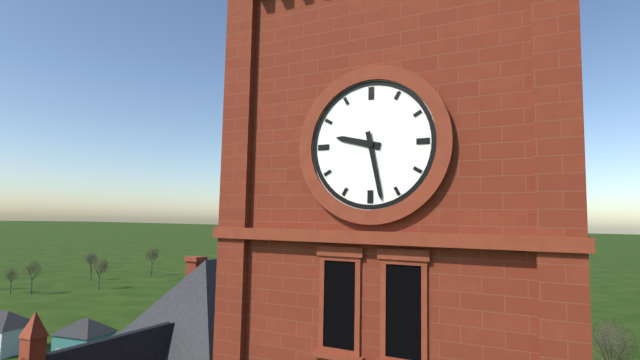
9:28
